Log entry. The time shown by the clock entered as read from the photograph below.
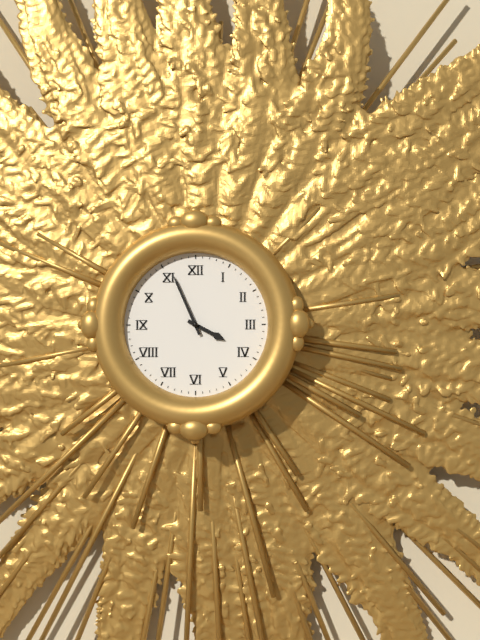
3:56
